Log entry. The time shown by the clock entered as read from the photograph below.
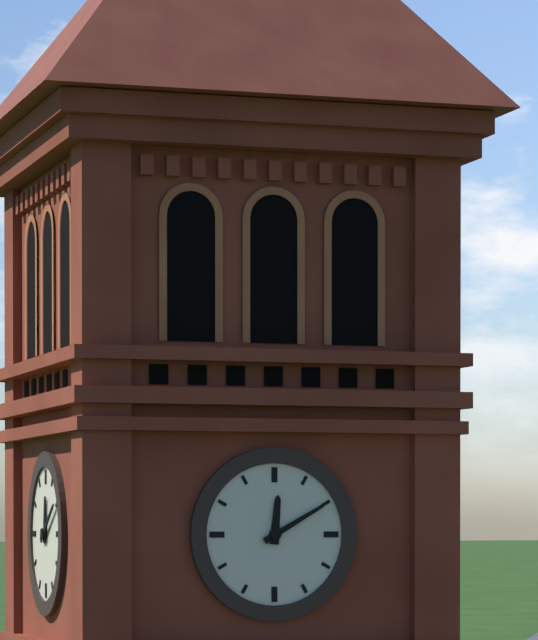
12:10
